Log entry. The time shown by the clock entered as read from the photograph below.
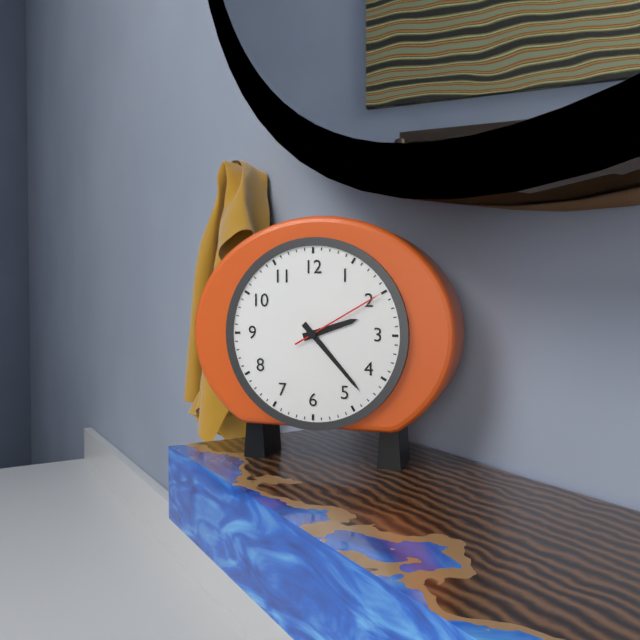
2:23:10
